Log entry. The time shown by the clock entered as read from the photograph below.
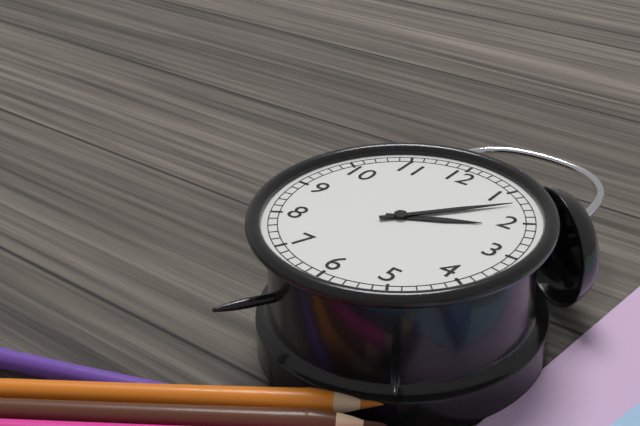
2:07
